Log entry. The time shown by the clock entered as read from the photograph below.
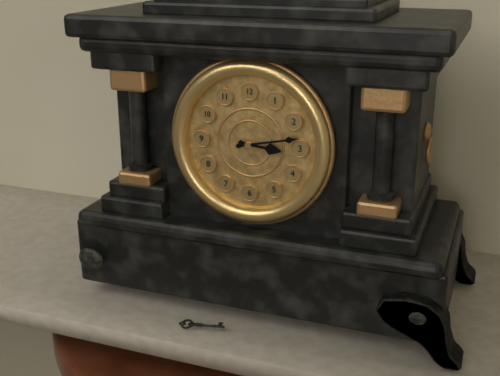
3:13
